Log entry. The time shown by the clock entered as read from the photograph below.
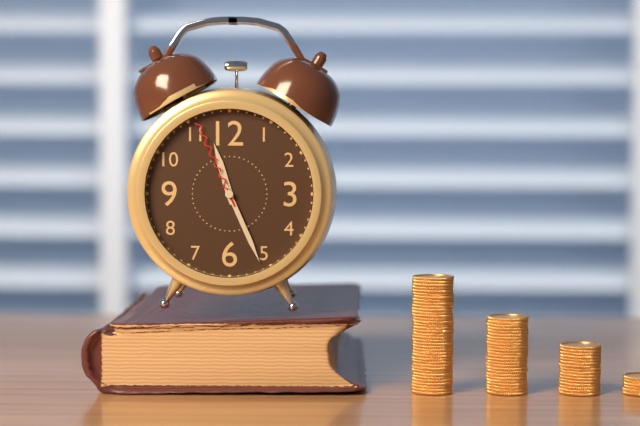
11:26:56
